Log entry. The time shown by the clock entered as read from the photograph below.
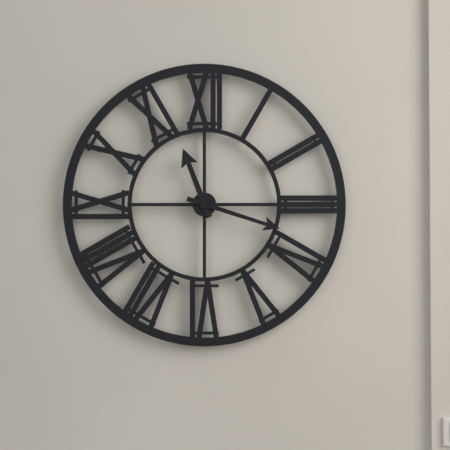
11:18
